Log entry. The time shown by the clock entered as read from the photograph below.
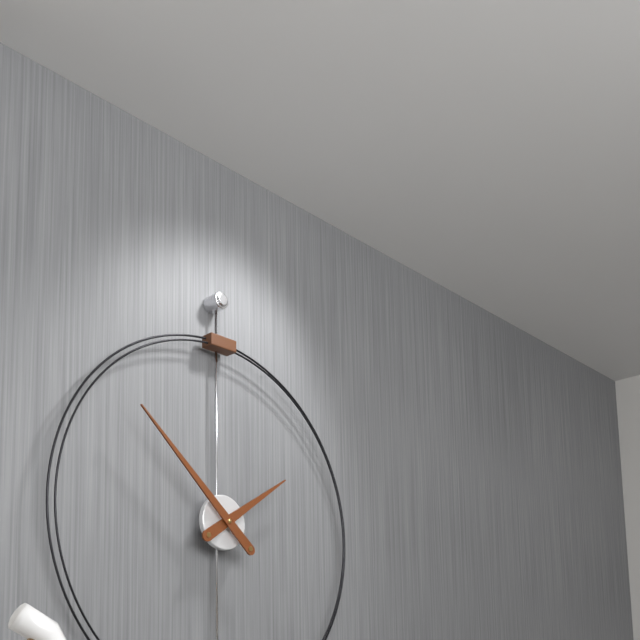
1:52
